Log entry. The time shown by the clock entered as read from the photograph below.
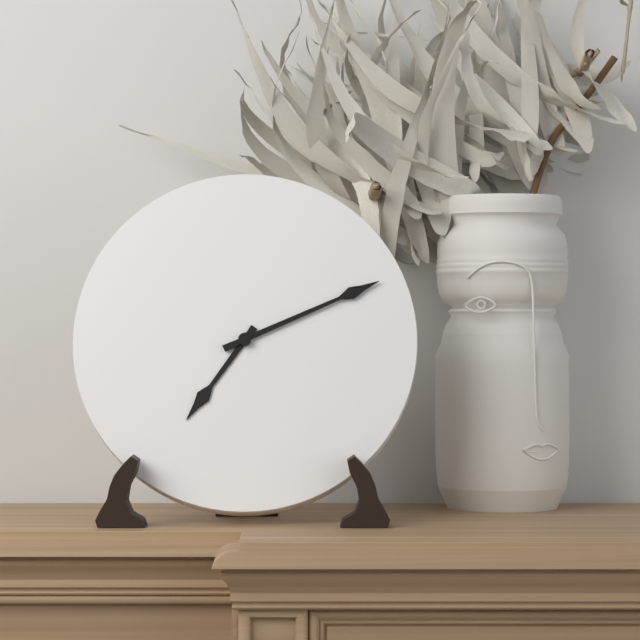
7:11
